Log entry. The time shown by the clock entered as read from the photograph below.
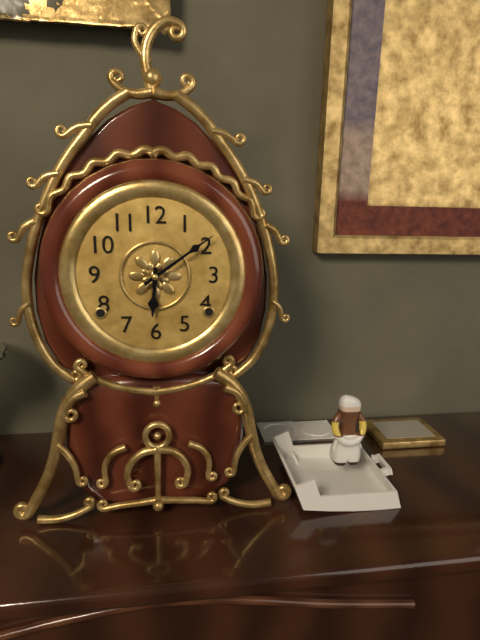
6:09
